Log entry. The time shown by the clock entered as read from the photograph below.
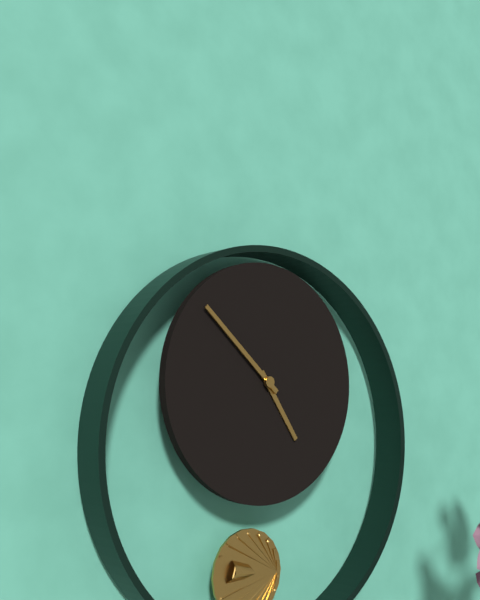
4:52
